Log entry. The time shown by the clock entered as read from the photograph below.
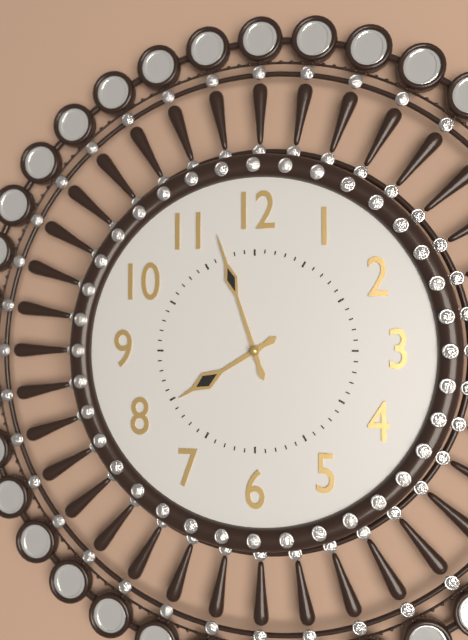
7:57
